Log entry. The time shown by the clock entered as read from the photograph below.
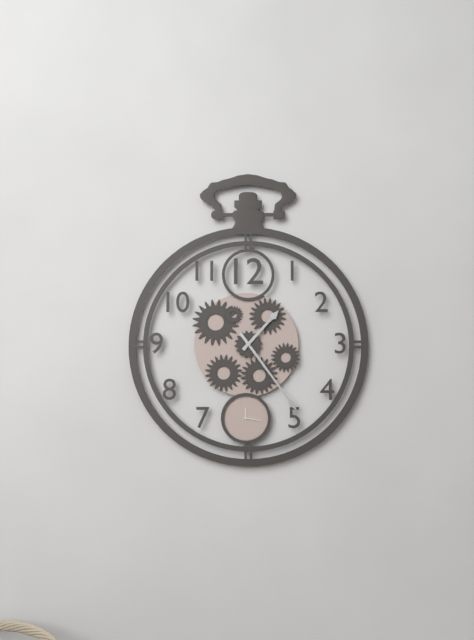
1:24
